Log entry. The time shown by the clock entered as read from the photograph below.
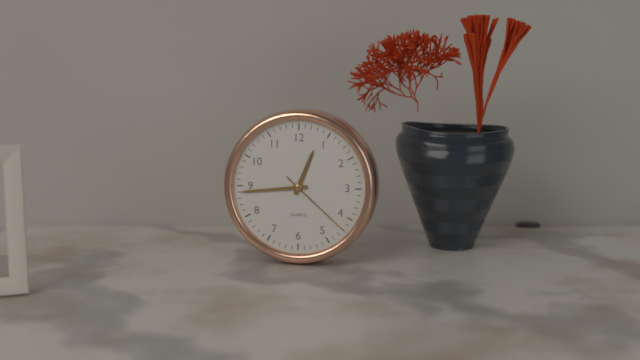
12:44:22
